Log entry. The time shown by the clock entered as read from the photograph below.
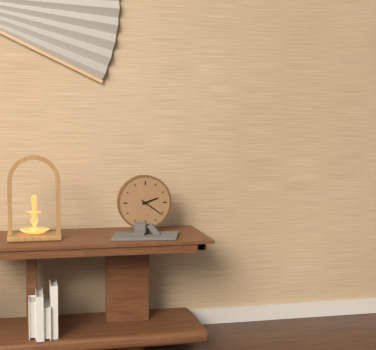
2:21
